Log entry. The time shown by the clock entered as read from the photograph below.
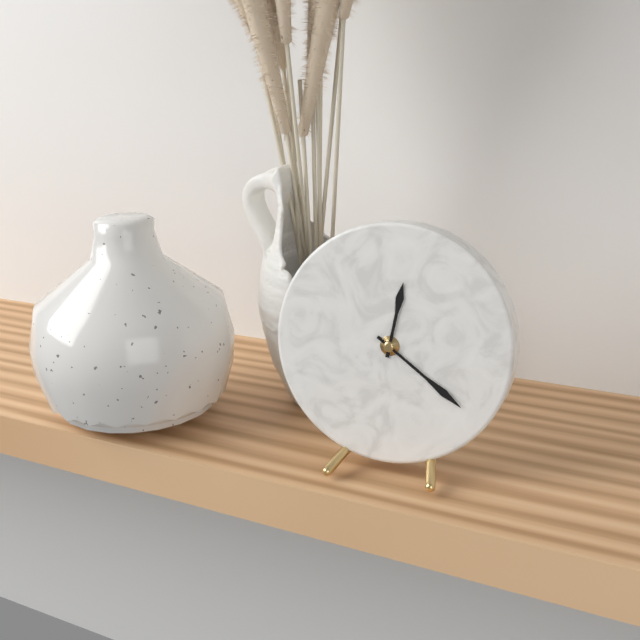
12:21
